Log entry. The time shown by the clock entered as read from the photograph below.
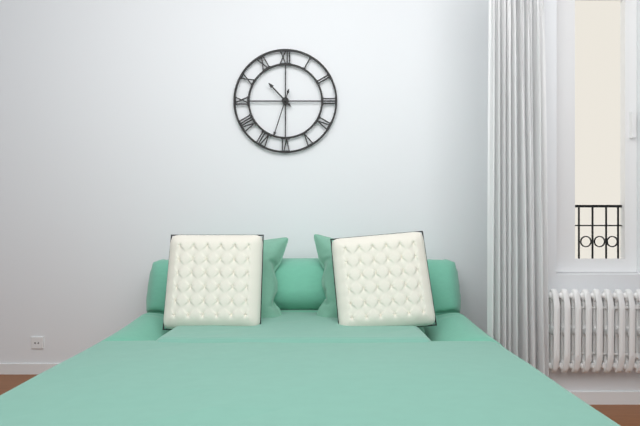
10:33
